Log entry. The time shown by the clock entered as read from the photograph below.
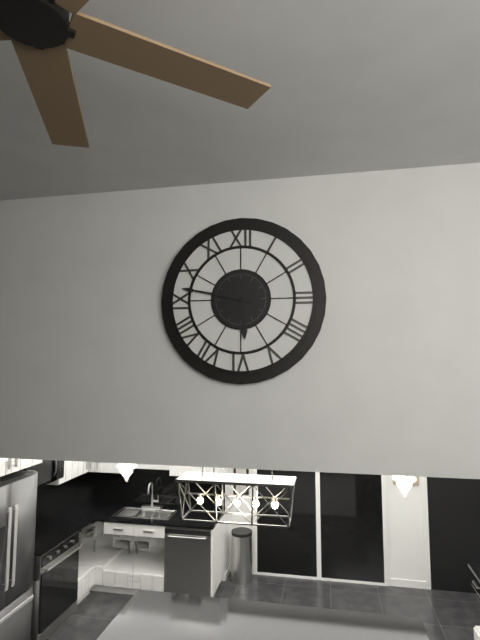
5:47
